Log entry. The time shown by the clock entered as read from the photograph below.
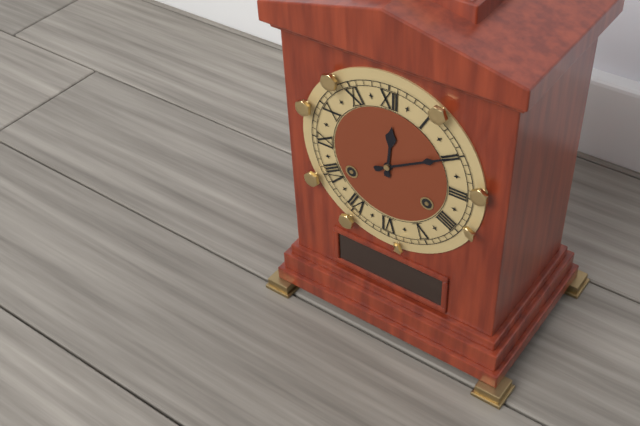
12:10
